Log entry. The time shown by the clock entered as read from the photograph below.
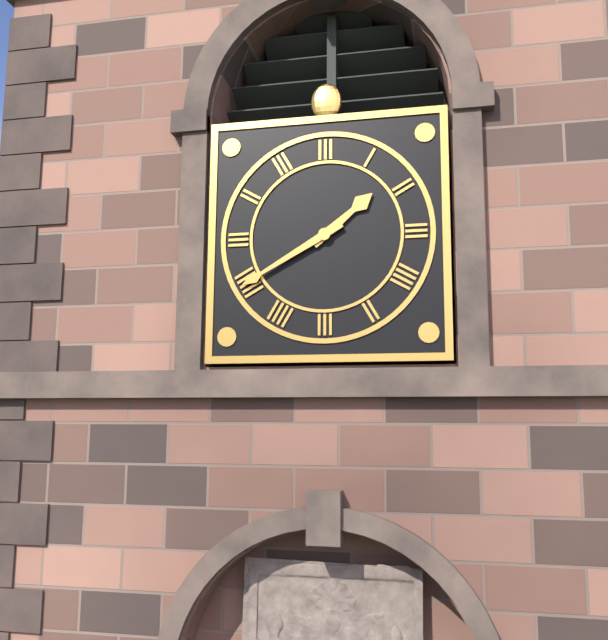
1:40
